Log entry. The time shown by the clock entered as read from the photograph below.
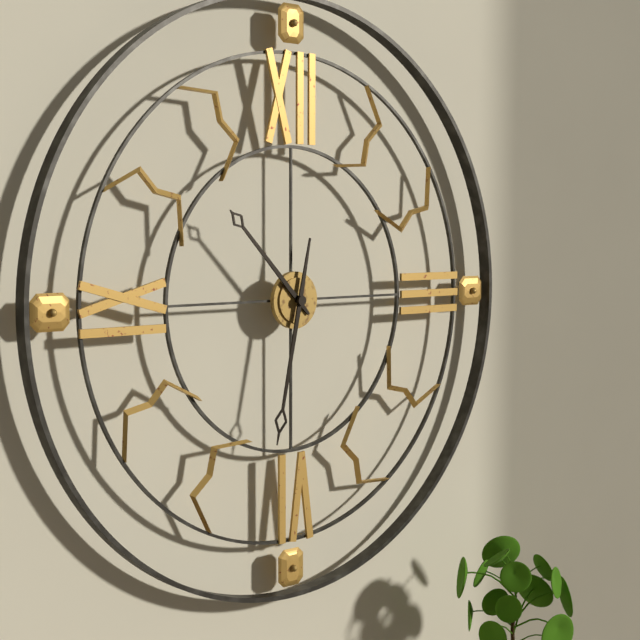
10:32
